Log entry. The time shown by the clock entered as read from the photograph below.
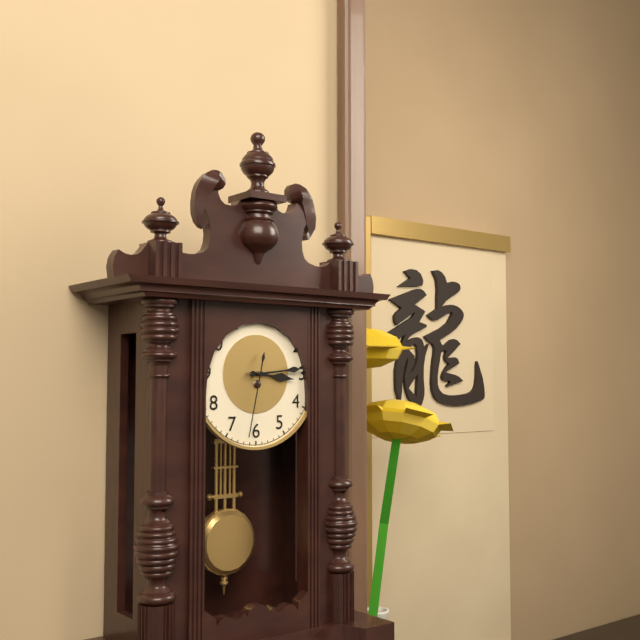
3:14:32
